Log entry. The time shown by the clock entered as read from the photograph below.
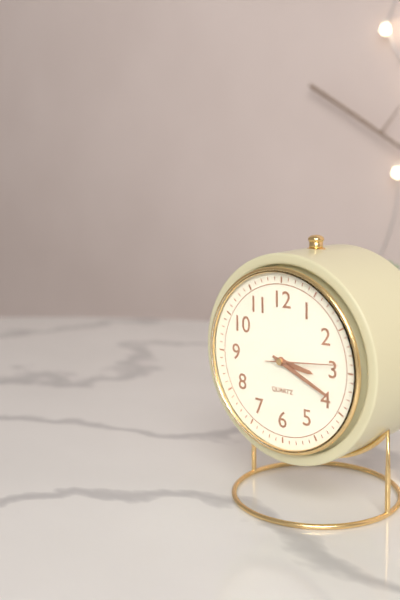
3:19:14
